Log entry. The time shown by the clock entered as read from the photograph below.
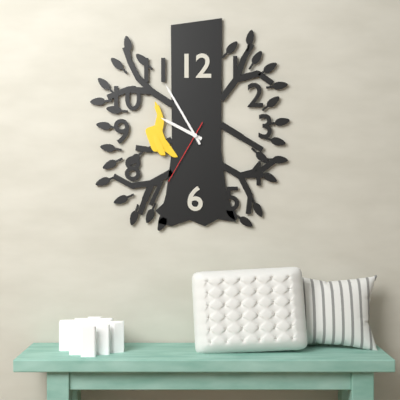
9:55:35
